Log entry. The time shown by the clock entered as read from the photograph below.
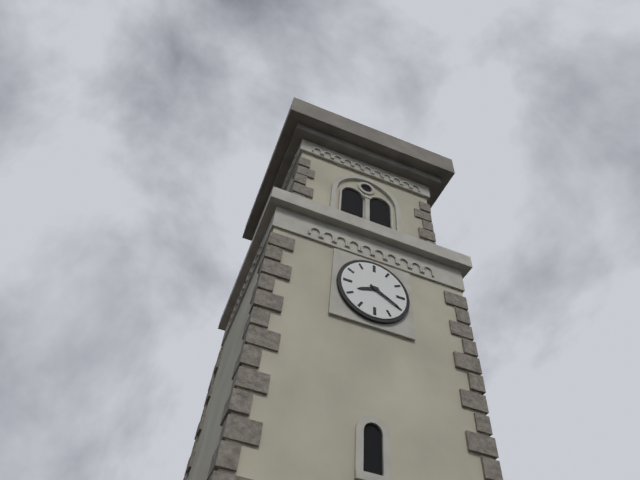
8:20
